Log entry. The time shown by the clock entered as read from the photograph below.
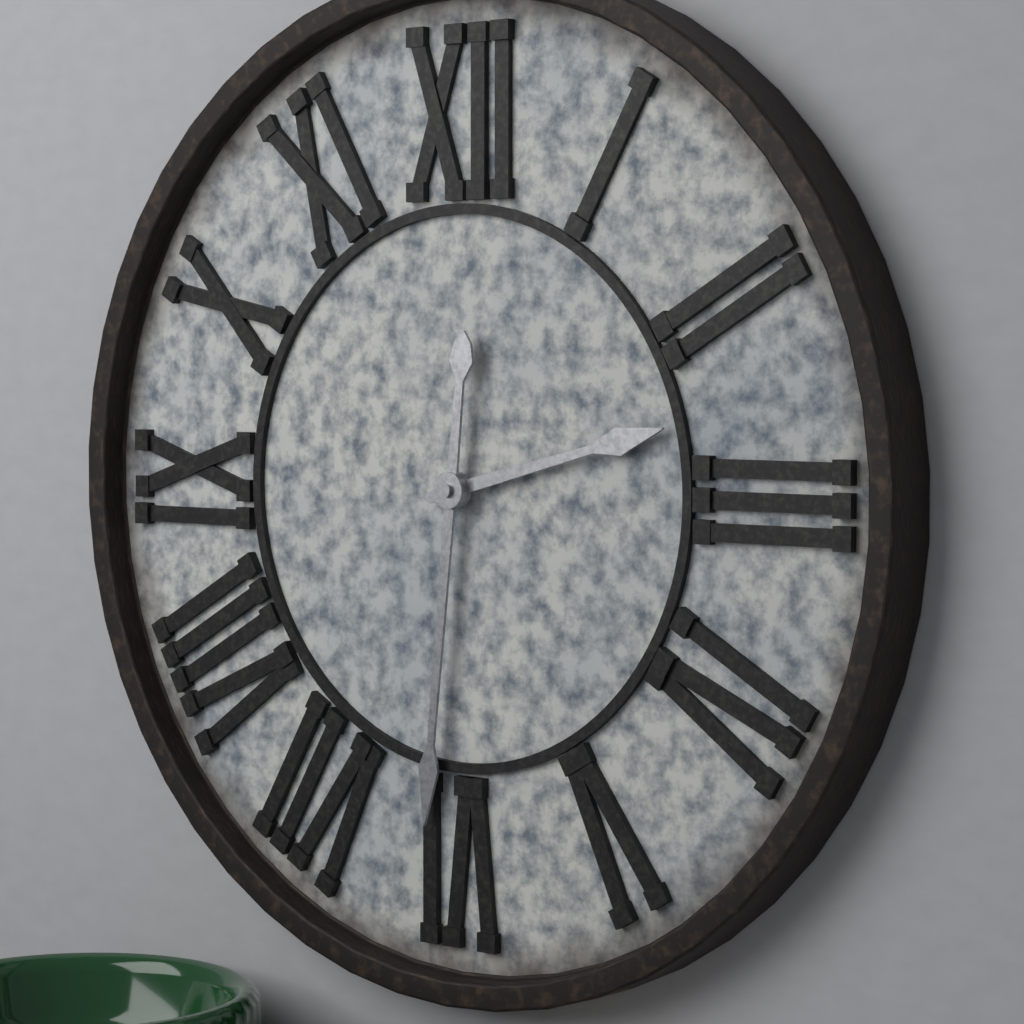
2:31
